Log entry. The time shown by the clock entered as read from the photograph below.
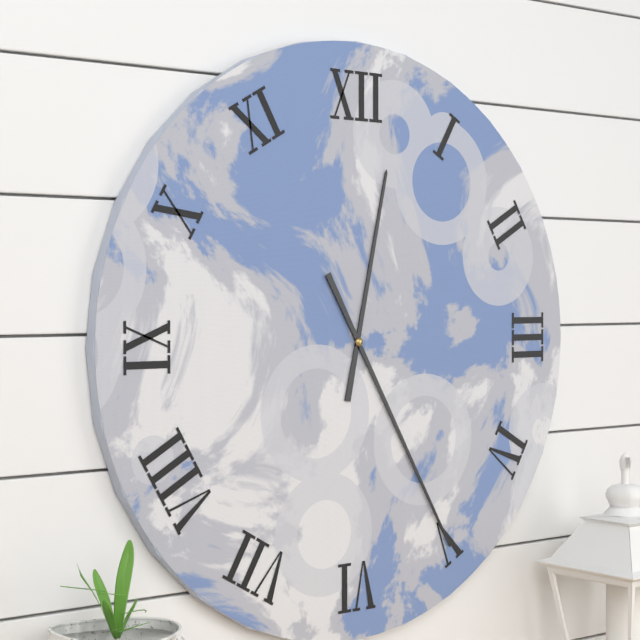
12:25
